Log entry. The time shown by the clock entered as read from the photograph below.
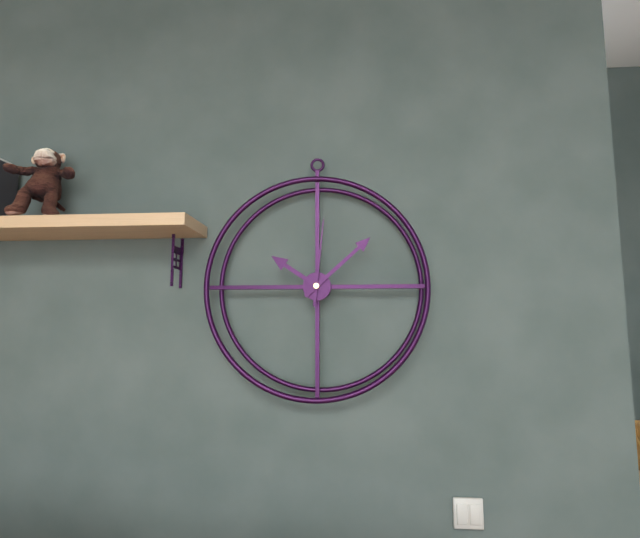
10:08:01
